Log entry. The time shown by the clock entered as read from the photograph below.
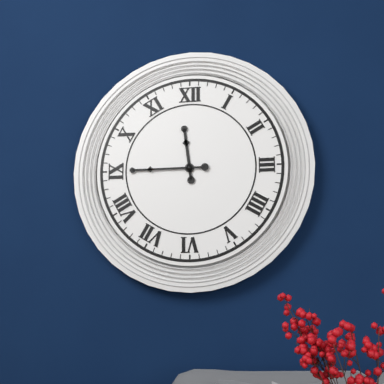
11:45
